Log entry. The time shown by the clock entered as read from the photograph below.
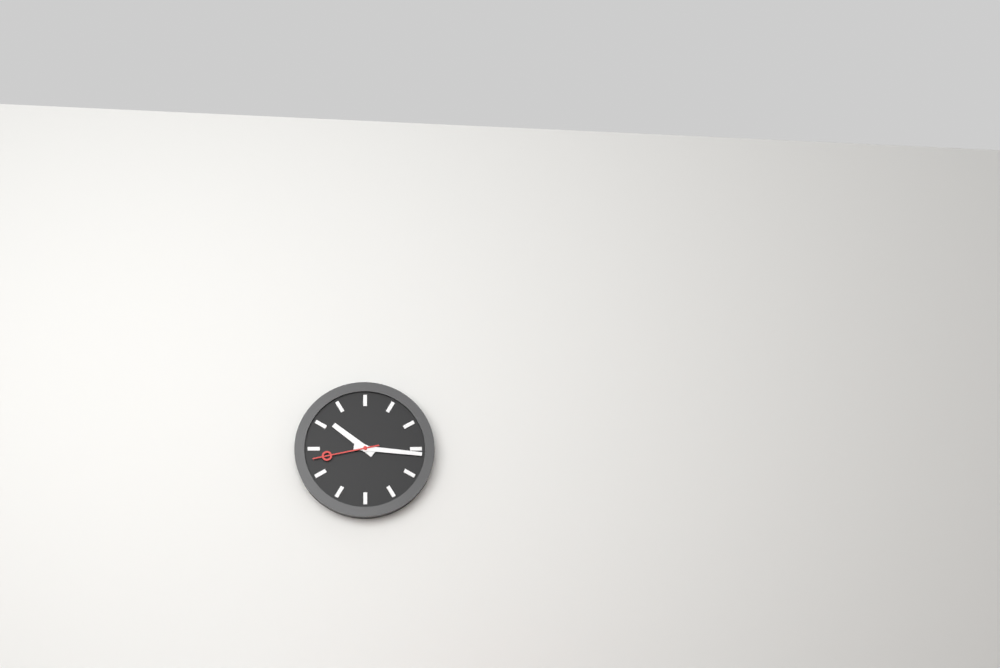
10:16:43
